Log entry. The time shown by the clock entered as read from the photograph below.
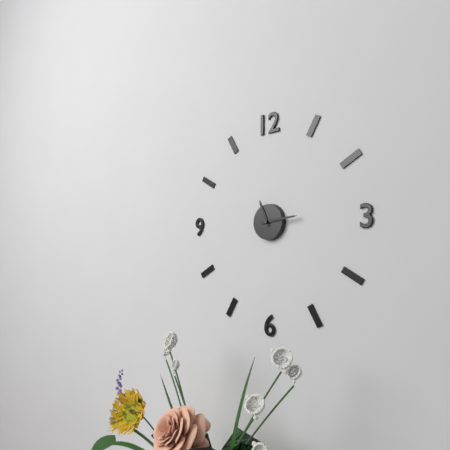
11:14
